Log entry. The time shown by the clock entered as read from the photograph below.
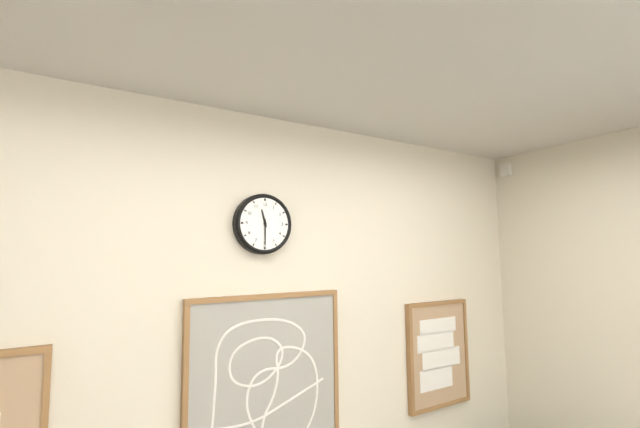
11:30
